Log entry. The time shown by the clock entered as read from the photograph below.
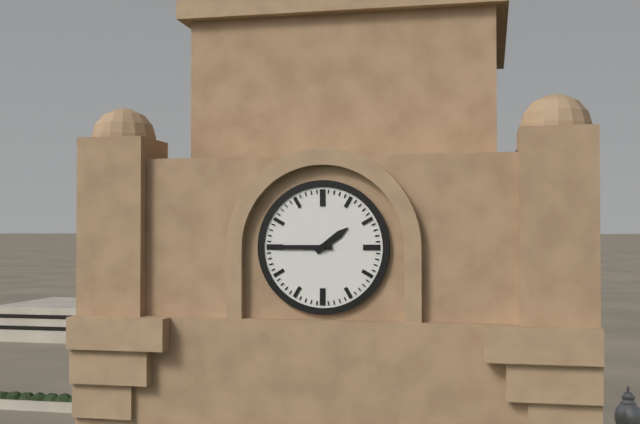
1:45
